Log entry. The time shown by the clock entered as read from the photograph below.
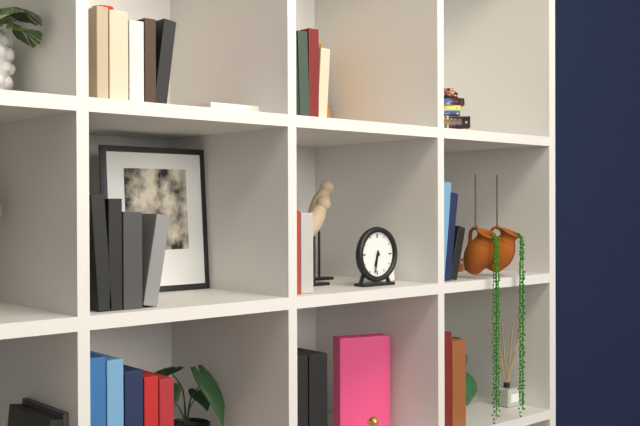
6:32
